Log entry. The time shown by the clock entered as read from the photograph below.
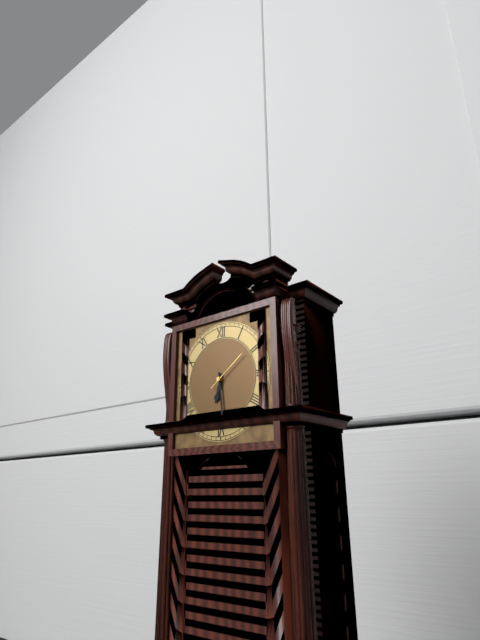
6:29
